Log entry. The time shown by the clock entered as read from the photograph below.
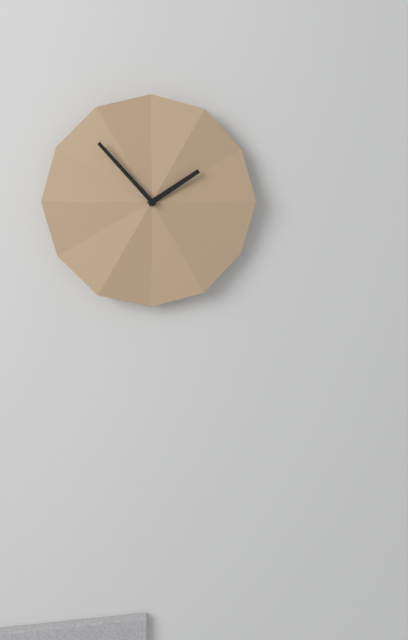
1:53
